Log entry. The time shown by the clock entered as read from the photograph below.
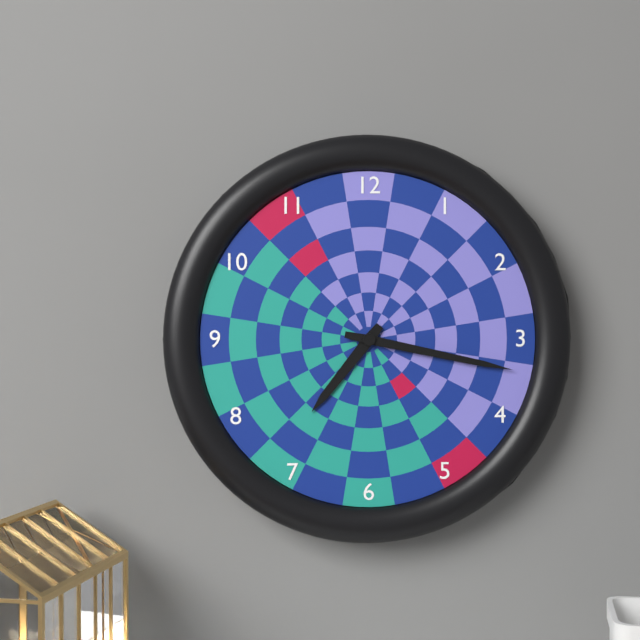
7:17
